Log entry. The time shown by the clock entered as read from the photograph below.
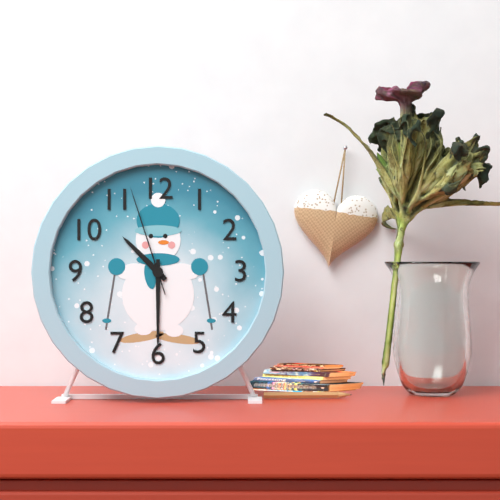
10:30:57
